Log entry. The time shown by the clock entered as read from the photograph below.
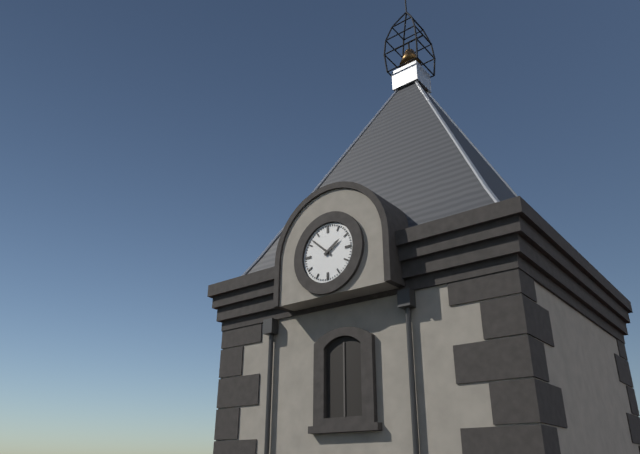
1:52
